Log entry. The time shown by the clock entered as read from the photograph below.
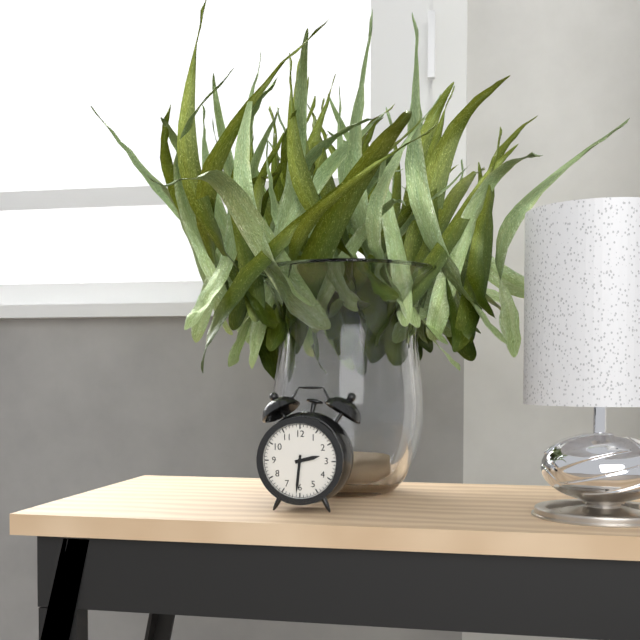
2:31
